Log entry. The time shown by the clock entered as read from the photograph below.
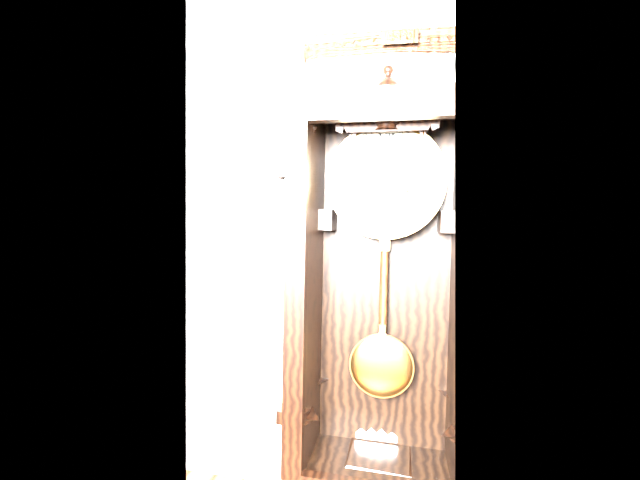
9:38
